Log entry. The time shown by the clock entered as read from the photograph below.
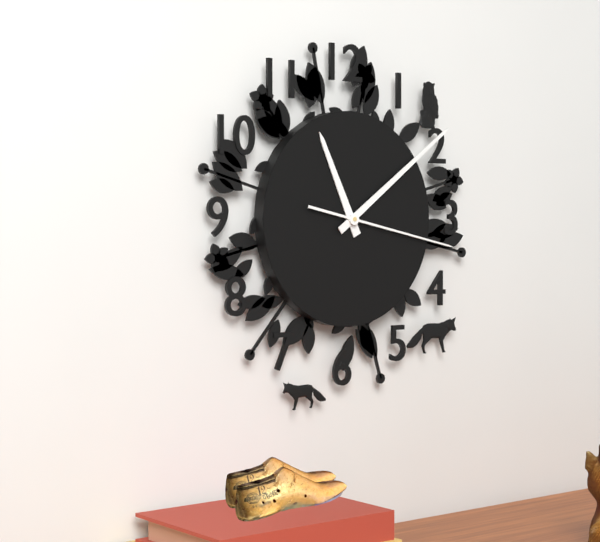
11:09:17
